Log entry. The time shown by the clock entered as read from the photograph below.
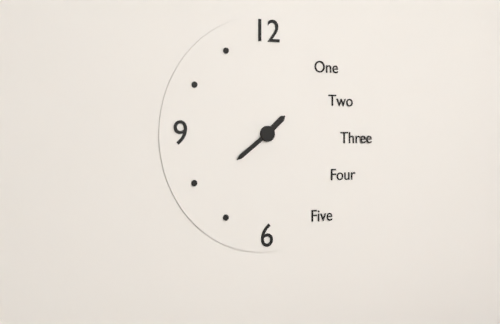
1:39
